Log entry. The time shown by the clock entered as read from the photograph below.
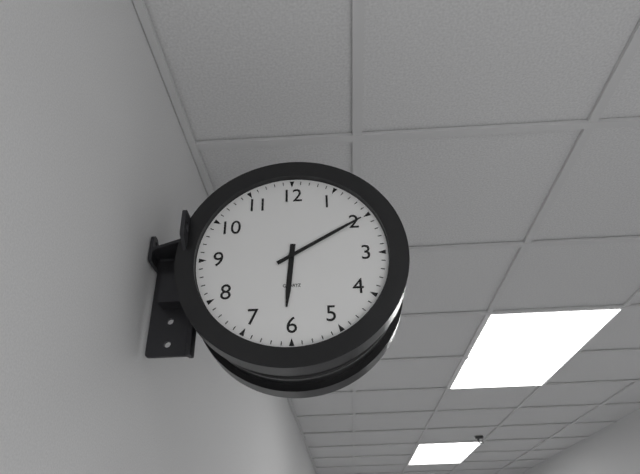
6:10
